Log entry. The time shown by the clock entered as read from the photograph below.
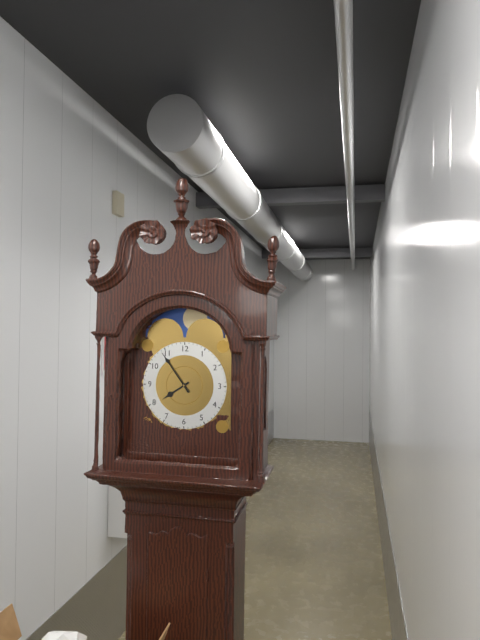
7:54
